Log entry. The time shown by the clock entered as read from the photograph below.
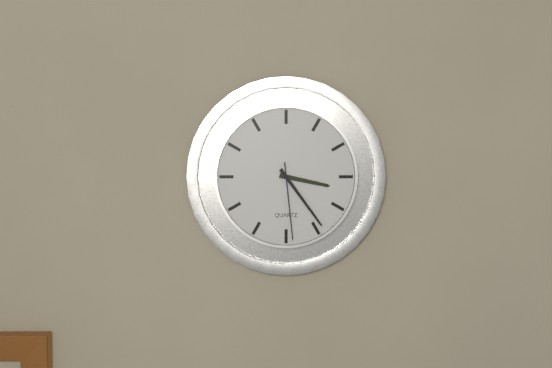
3:24:29
